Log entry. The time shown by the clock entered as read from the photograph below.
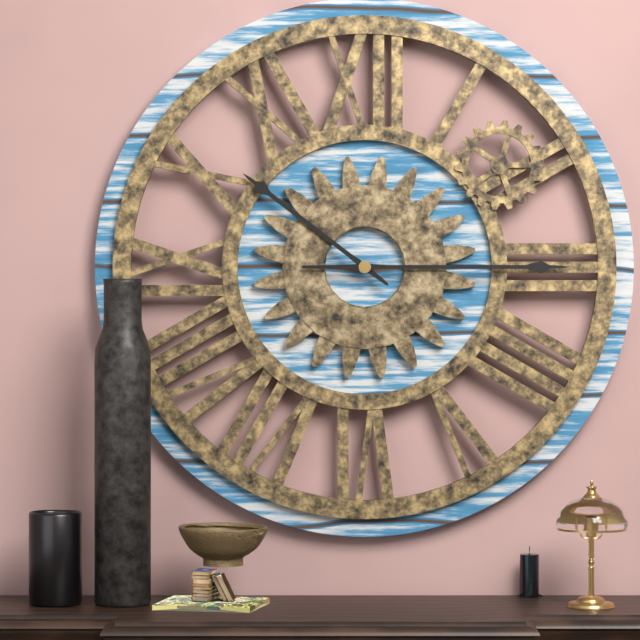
10:15
